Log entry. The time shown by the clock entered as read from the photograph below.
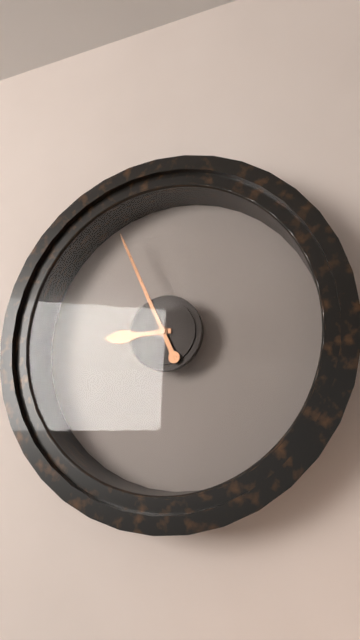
8:56
